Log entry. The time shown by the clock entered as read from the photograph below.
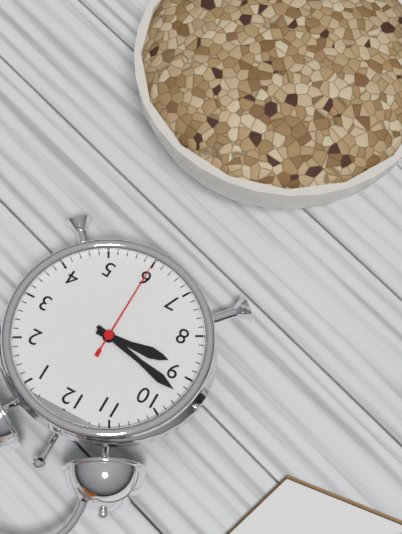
8:47:30
